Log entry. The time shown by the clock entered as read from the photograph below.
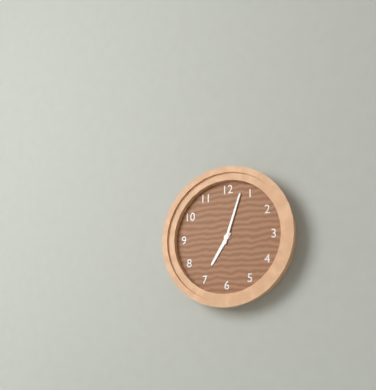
7:03
